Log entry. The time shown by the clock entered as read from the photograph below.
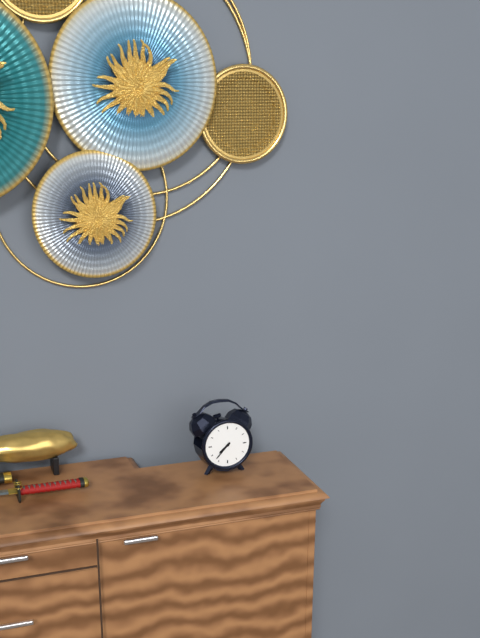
7:37
